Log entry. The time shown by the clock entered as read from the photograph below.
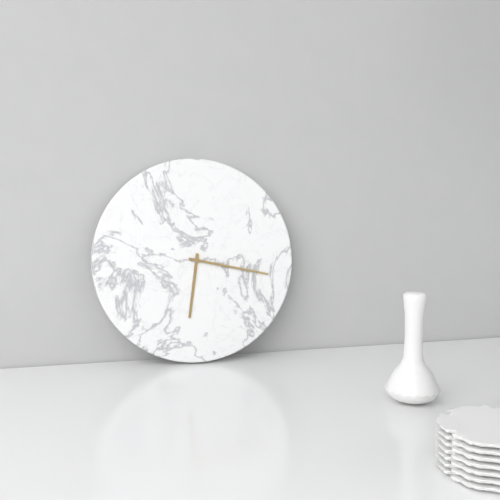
6:17
